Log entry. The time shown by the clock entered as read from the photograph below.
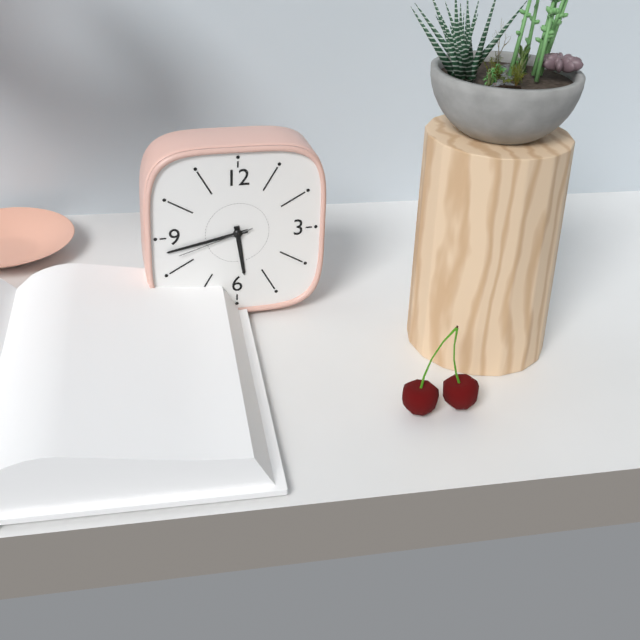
5:43:42
